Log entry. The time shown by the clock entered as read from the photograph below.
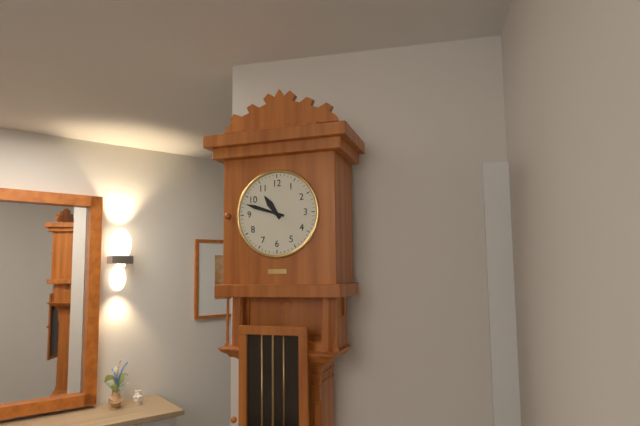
10:48
